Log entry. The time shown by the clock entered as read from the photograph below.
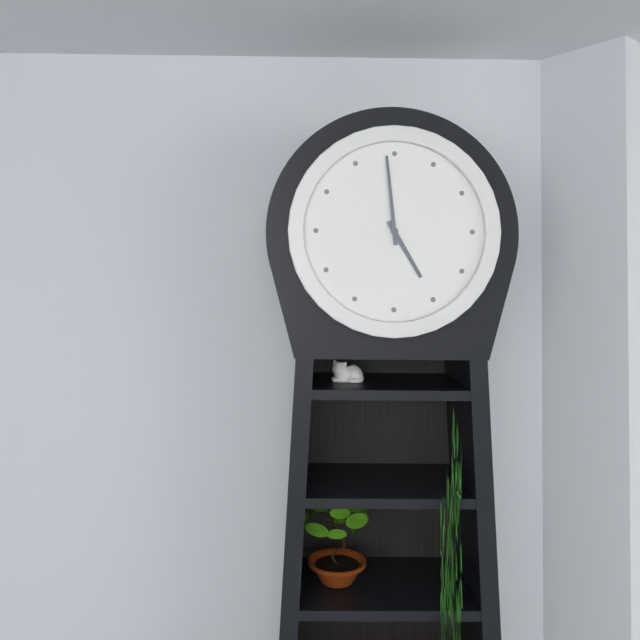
4:59
